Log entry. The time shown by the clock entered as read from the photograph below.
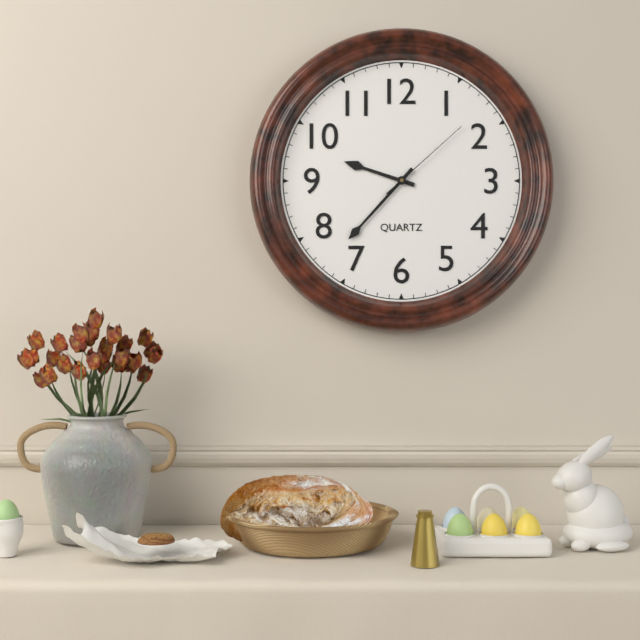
9:37:08
